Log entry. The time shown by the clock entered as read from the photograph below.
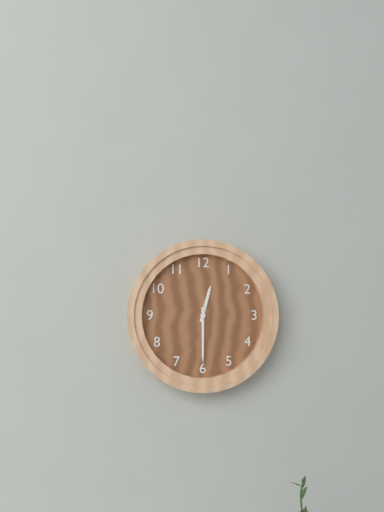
12:30
